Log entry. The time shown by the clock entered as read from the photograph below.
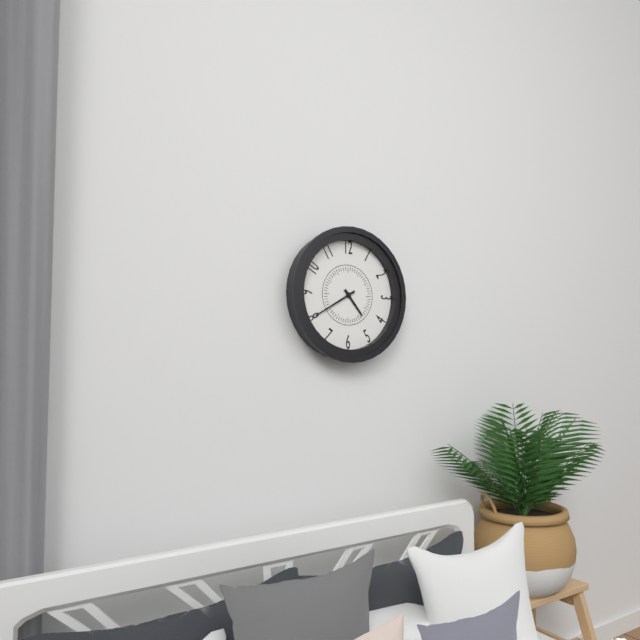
4:40
